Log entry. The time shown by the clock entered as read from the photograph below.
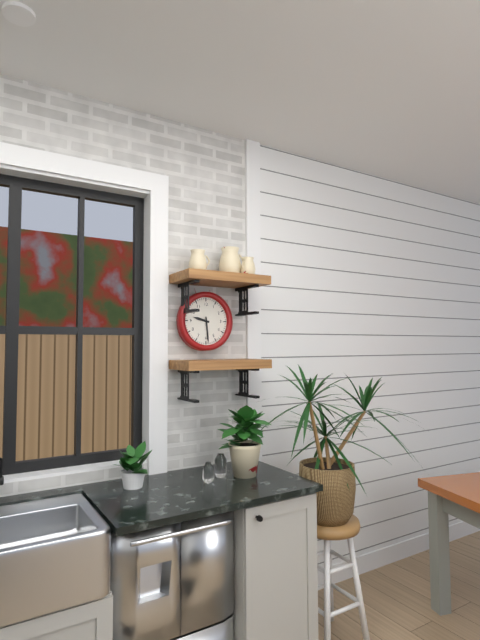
9:29
